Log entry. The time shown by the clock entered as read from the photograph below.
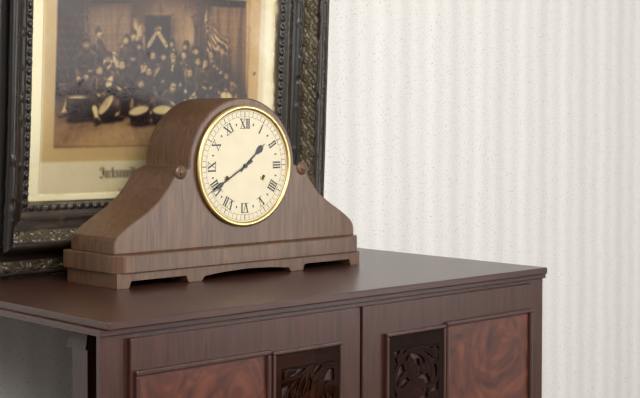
1:40
